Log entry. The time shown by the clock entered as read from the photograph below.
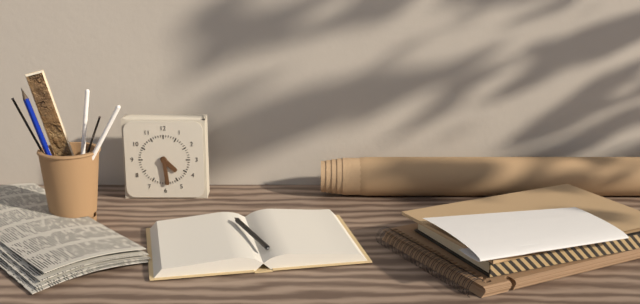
4:29
